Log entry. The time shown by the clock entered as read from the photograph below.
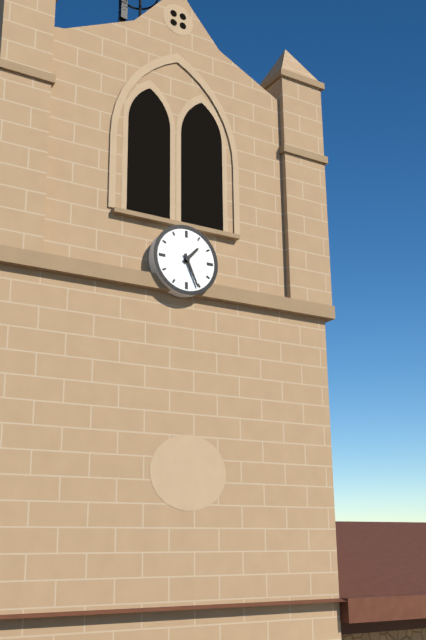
1:26
